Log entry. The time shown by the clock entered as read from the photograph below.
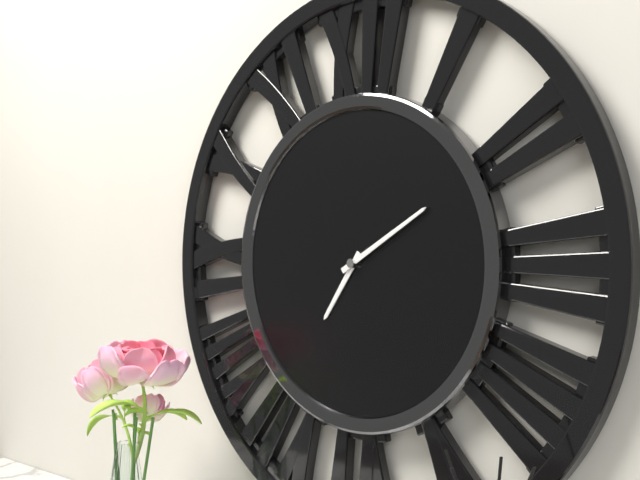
7:10
